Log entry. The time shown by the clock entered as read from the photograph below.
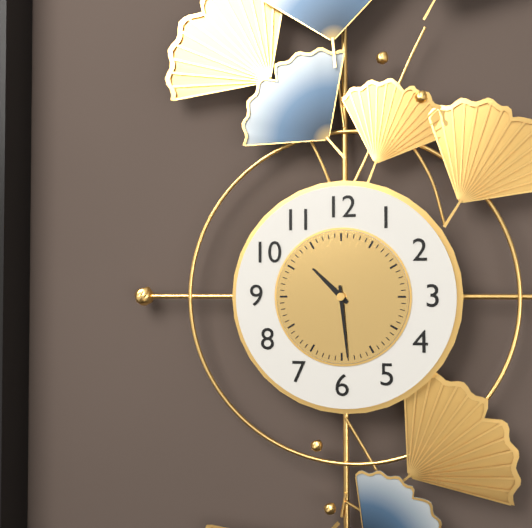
10:29
